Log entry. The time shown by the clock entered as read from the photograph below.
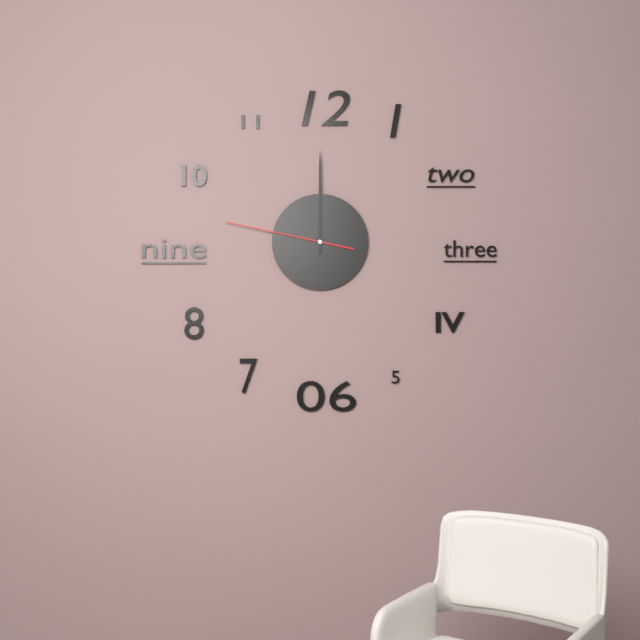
12:00:47
